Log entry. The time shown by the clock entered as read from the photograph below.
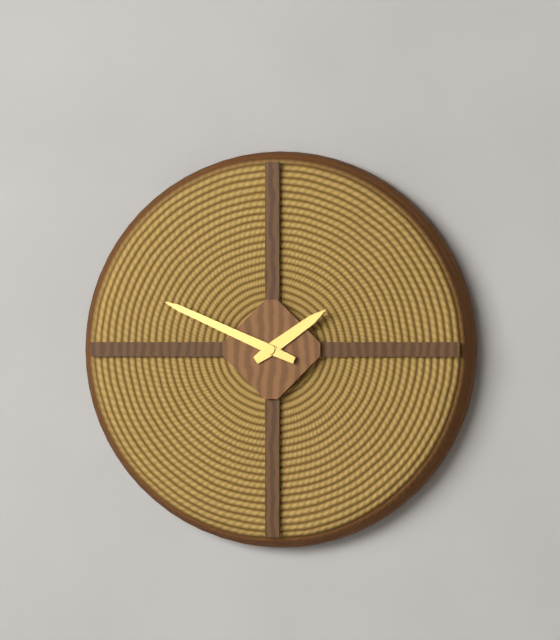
1:49
